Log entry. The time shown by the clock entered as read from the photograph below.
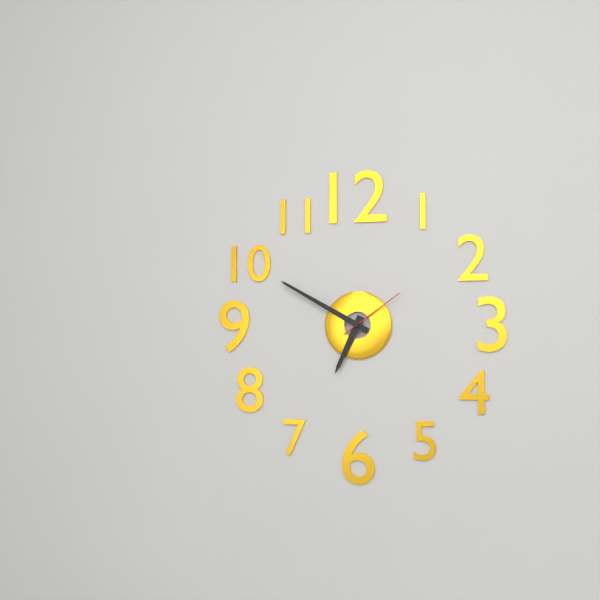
6:50:09
